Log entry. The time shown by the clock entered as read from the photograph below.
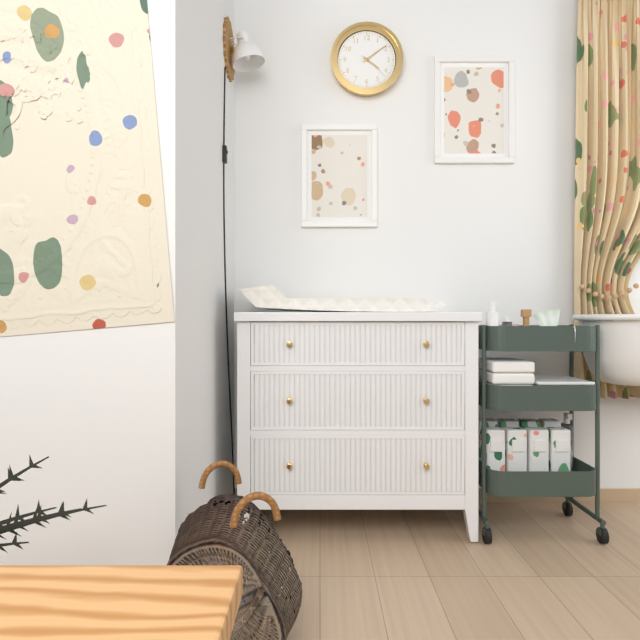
4:09
